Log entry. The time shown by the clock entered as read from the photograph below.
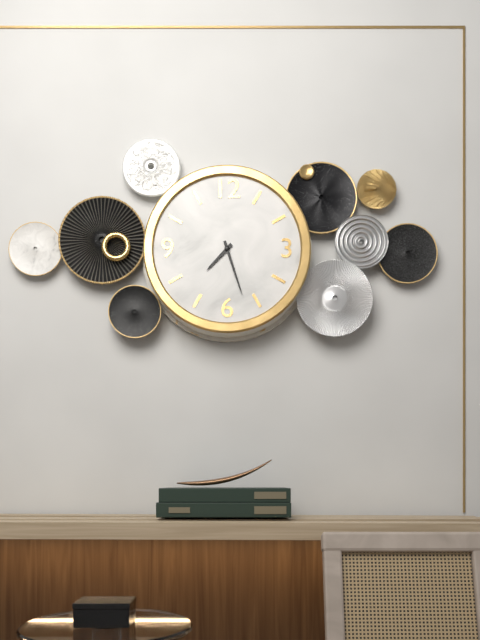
7:27
